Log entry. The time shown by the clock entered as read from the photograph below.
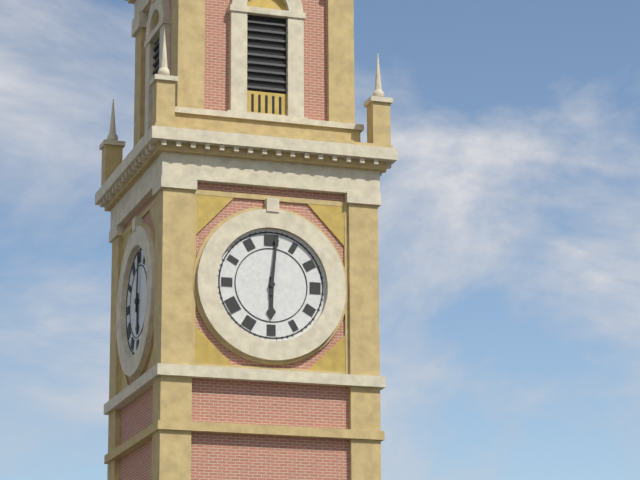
6:01
